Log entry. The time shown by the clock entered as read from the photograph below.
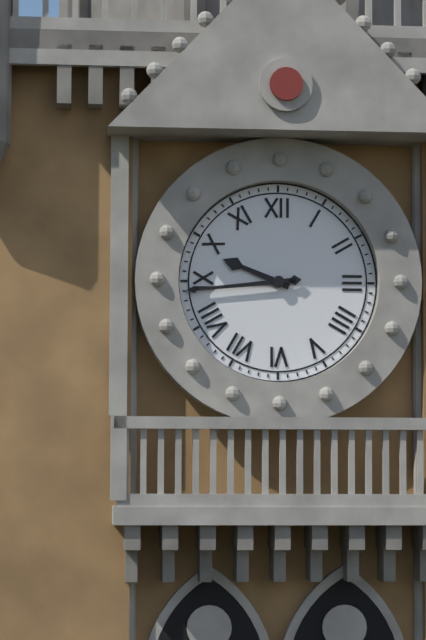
9:44
